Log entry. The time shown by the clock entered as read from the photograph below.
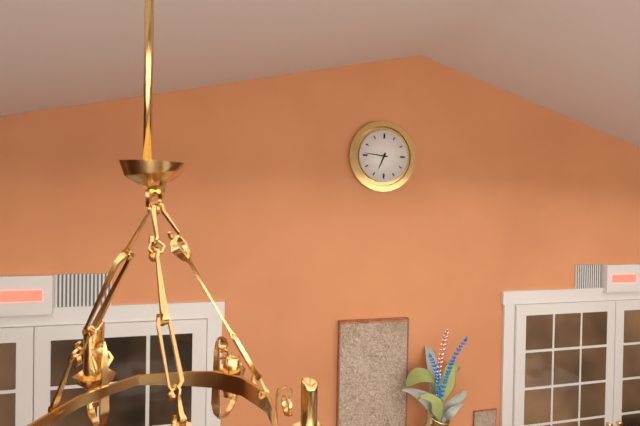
6:46
